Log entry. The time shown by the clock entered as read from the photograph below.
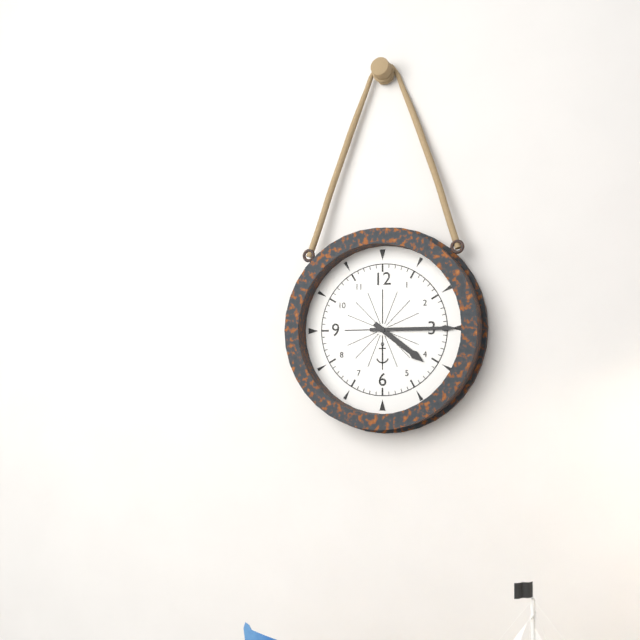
4:15
